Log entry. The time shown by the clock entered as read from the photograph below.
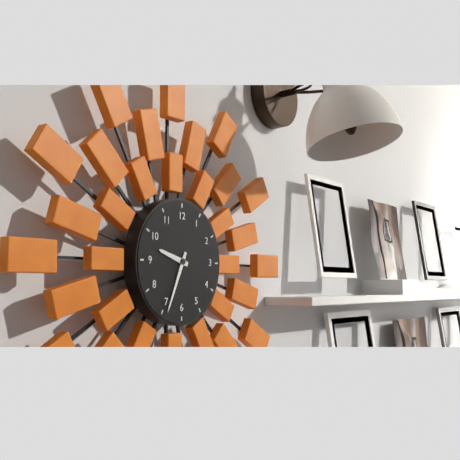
9:34
